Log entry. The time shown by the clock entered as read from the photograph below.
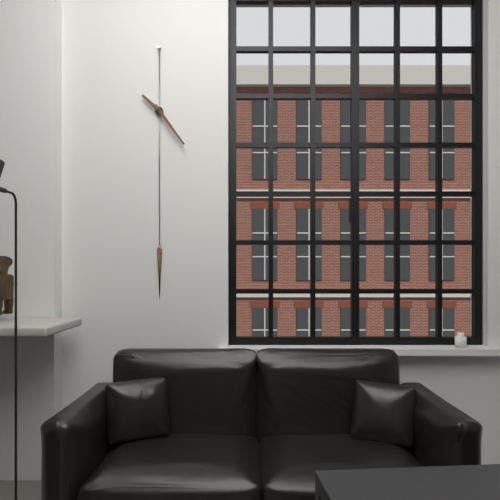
10:24
